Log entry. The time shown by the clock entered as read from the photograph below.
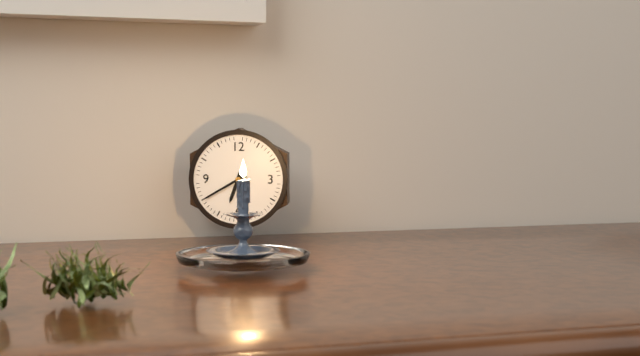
6:40
